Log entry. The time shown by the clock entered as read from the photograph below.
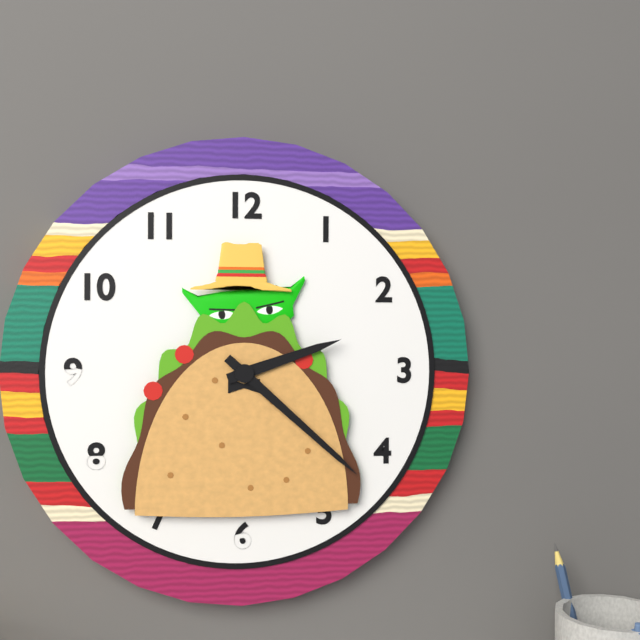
2:22
